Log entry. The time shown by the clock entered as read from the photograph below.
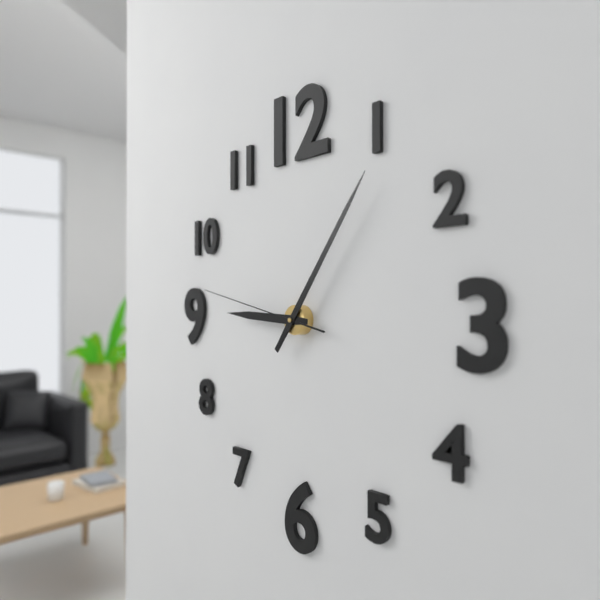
9:06:47
